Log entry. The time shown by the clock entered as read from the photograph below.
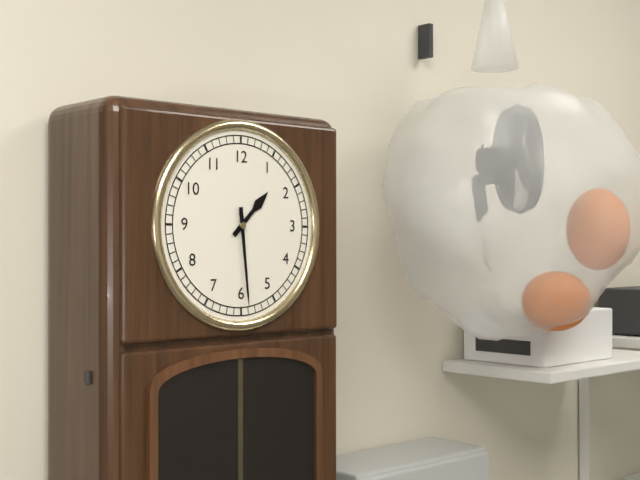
1:29
